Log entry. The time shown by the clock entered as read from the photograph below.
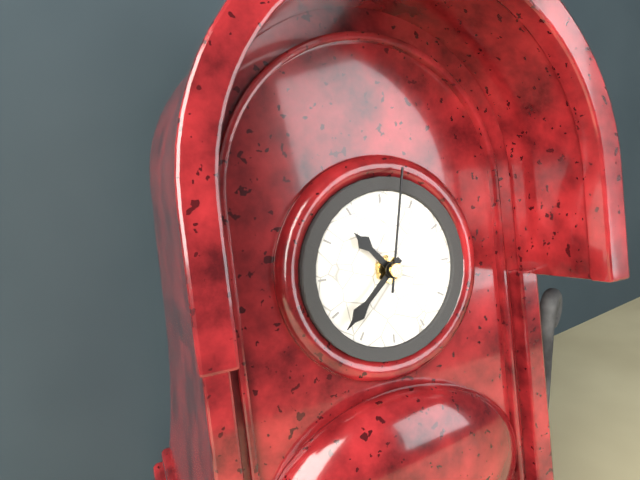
10:38:02
